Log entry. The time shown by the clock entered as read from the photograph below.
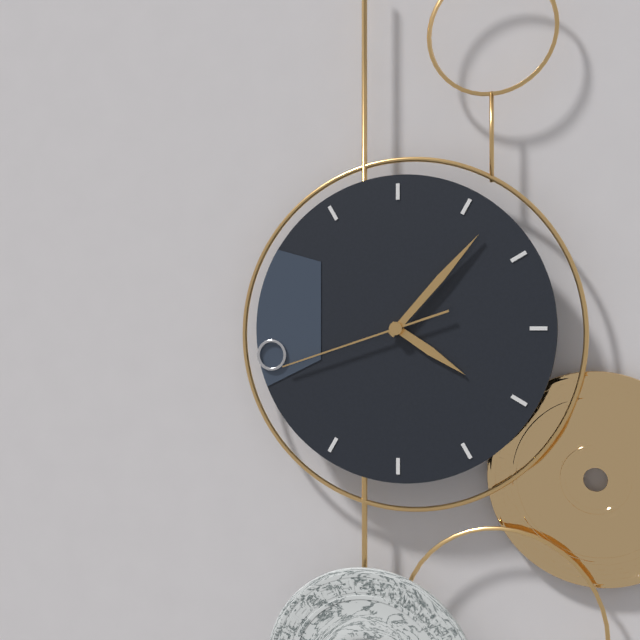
4:07:42
